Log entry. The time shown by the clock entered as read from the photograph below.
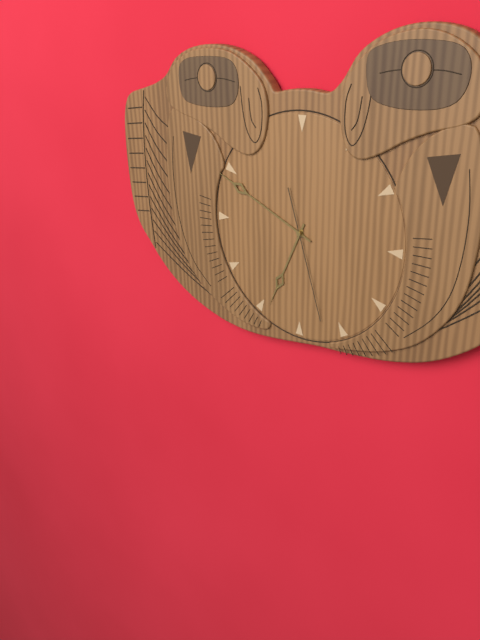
6:49:27
